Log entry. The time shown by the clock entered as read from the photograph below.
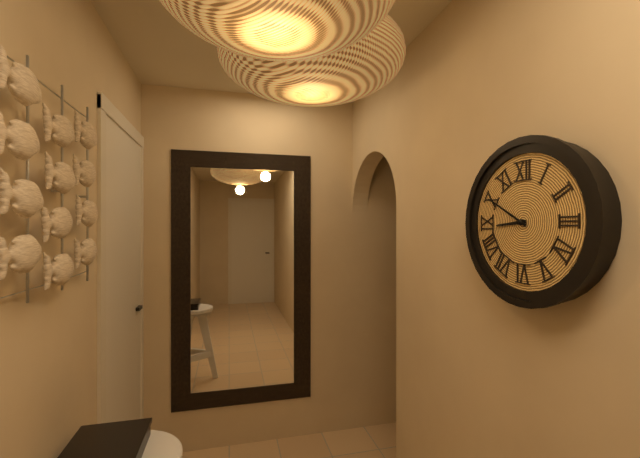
8:50
